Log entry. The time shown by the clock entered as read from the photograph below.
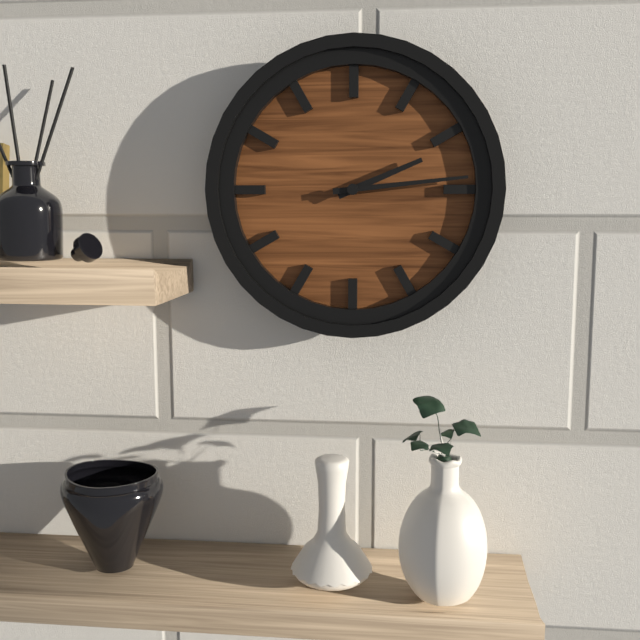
2:14
